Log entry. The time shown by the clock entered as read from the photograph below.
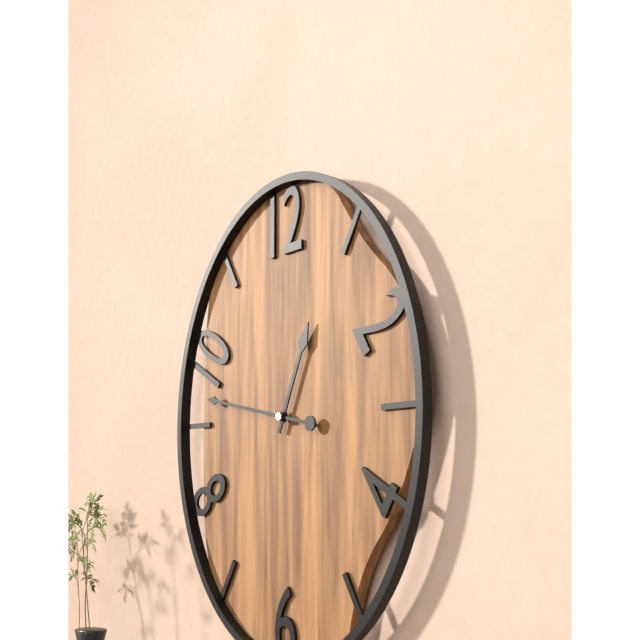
12:47
